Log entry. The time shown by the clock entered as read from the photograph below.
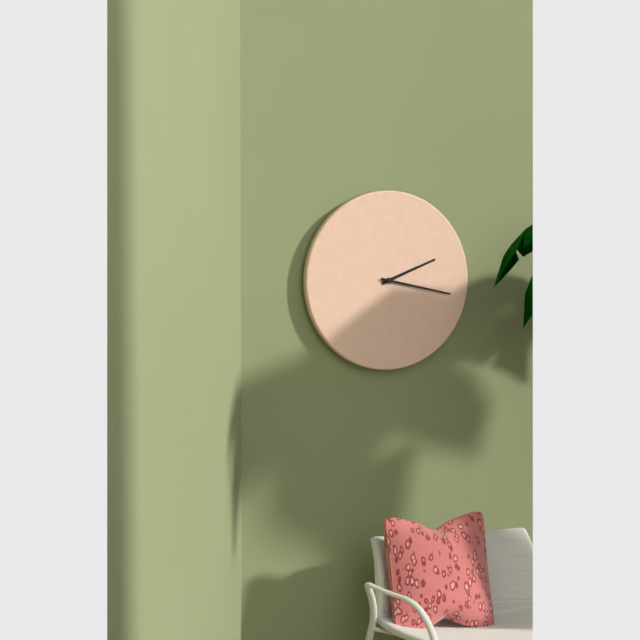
2:17
